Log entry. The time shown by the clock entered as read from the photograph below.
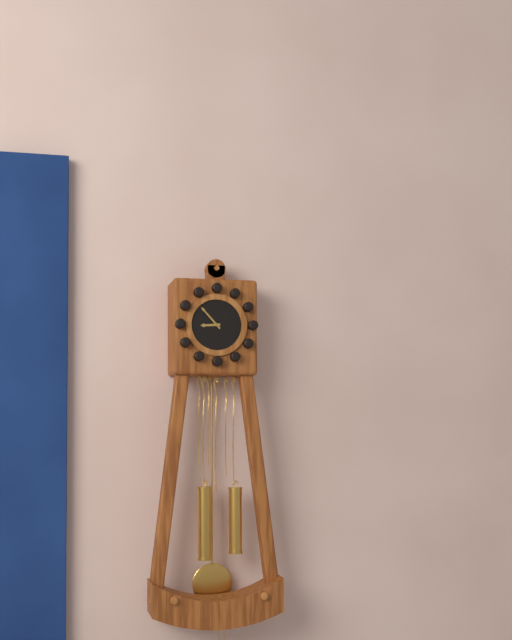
8:53
